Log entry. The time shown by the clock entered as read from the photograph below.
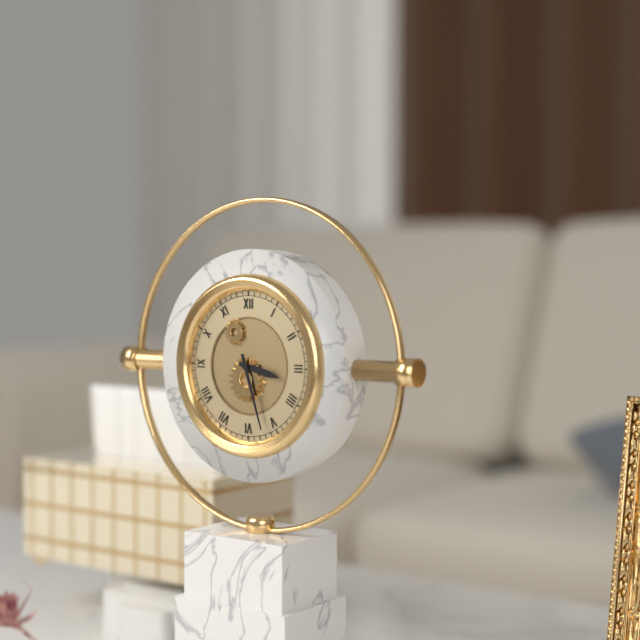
3:27
